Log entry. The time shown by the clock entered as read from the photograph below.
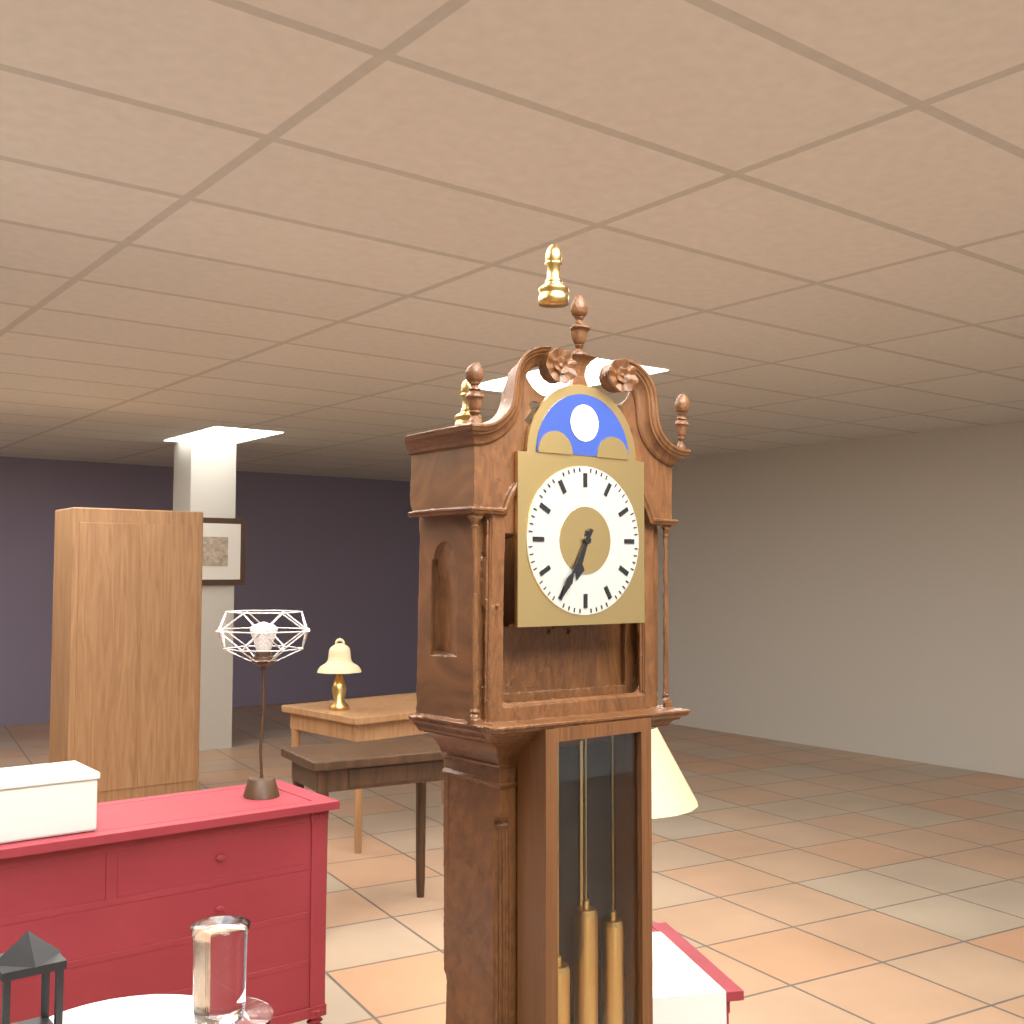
6:35
